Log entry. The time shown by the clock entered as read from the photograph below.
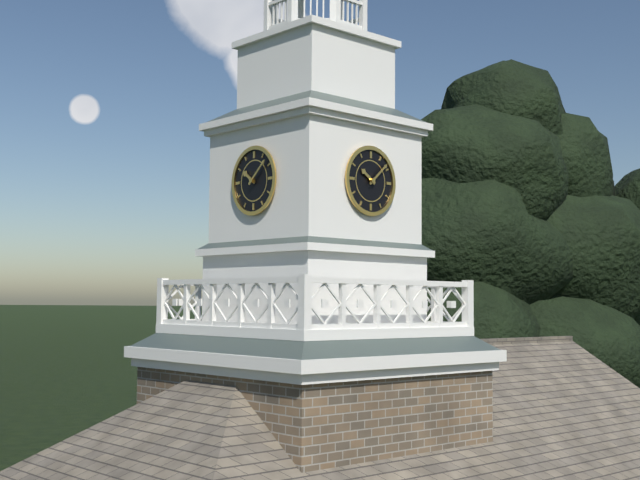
10:08
